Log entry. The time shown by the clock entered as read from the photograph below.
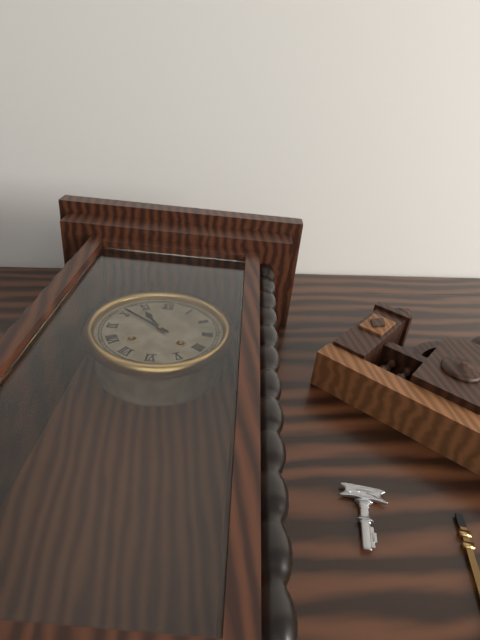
10:51
